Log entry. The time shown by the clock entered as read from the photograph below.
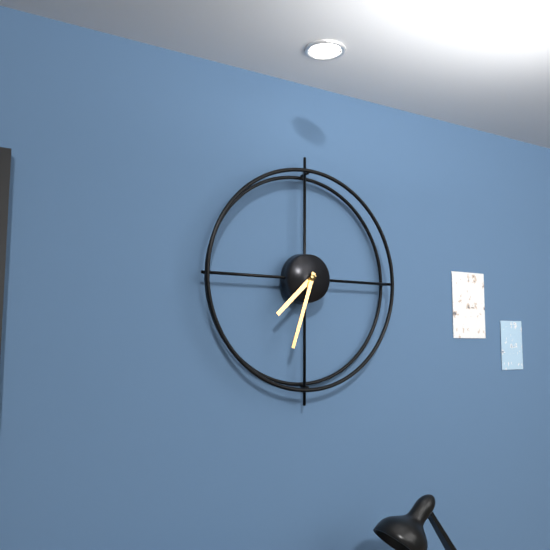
7:33
